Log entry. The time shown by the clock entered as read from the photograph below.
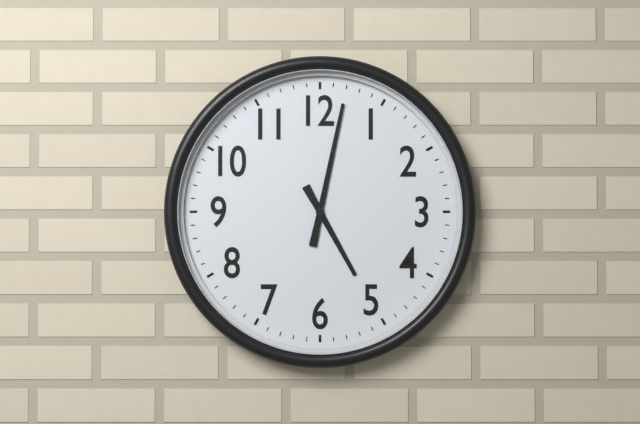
5:02
